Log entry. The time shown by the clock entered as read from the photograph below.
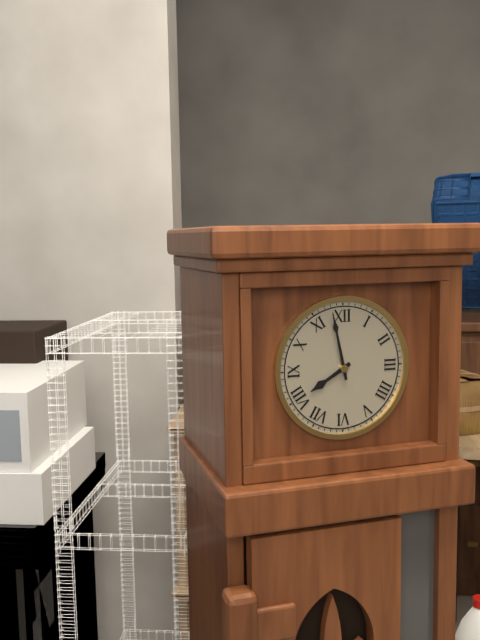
7:58
